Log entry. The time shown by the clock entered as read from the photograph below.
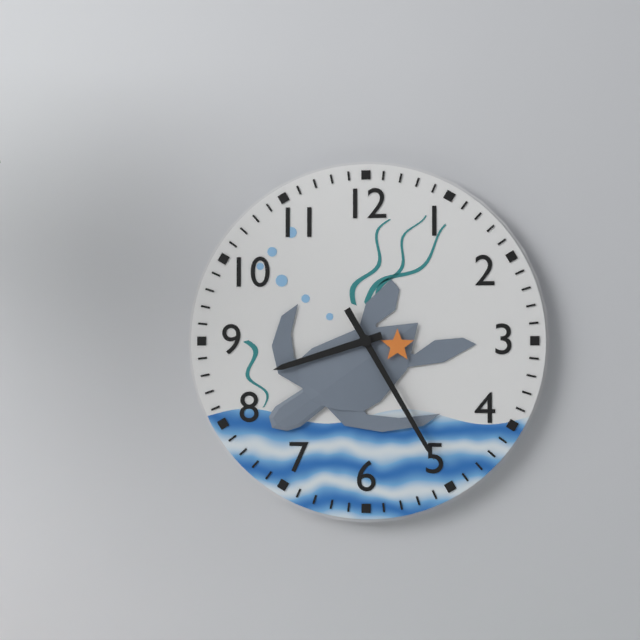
8:25
